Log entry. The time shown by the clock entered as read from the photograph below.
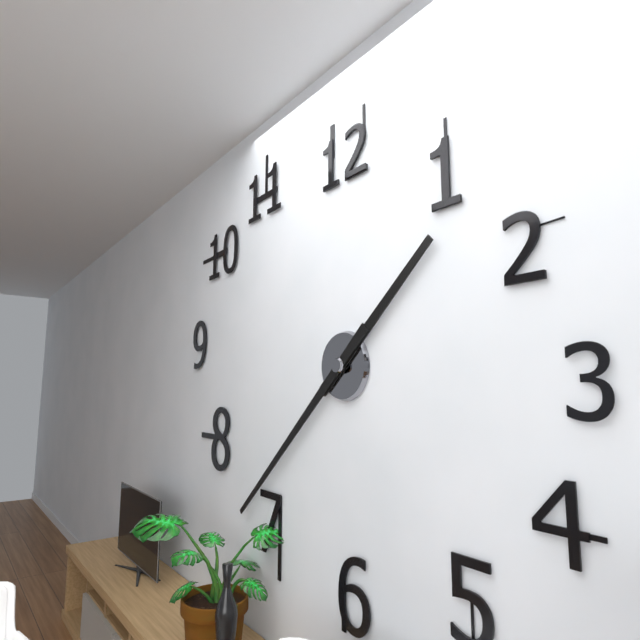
1:38
